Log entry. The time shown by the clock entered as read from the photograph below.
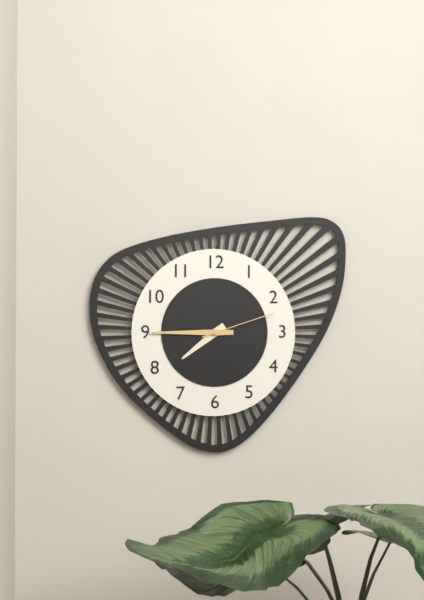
7:45:12
